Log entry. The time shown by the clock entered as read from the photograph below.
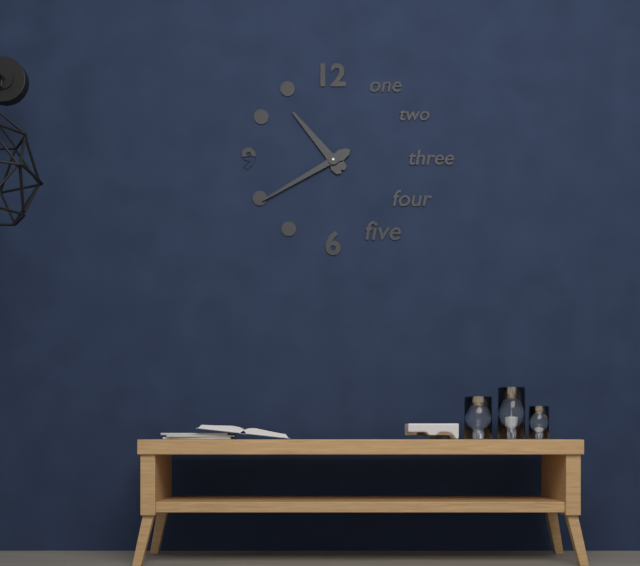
10:40
